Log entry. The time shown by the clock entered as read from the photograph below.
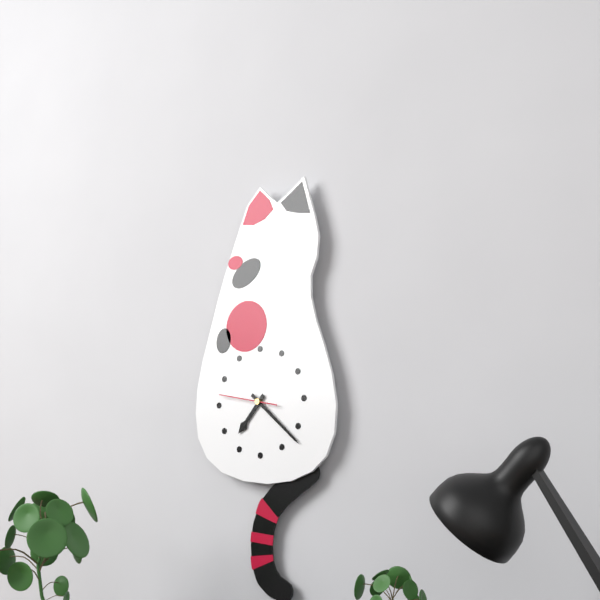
7:22:47
